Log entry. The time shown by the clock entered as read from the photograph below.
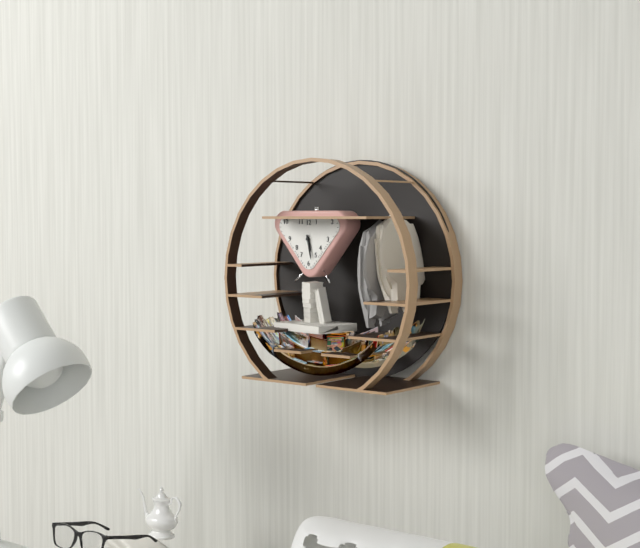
5:28
